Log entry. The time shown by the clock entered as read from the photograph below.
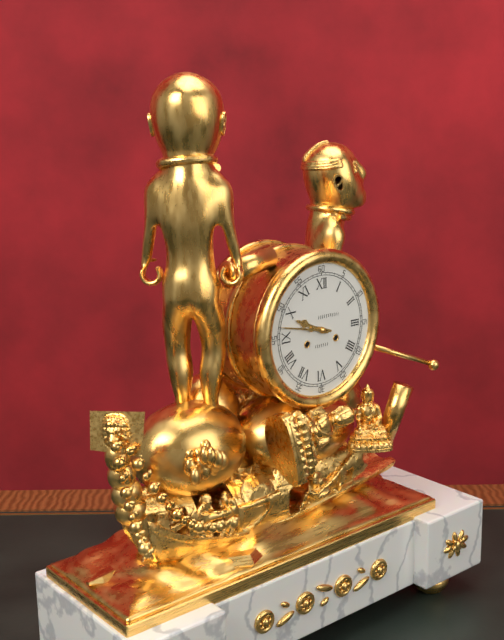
9:47
